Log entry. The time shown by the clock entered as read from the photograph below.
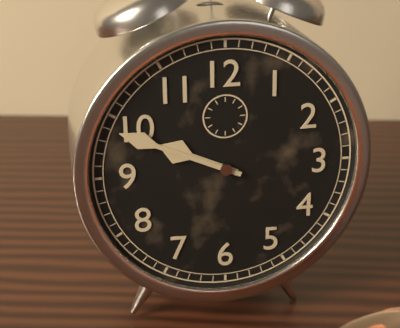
9:49
